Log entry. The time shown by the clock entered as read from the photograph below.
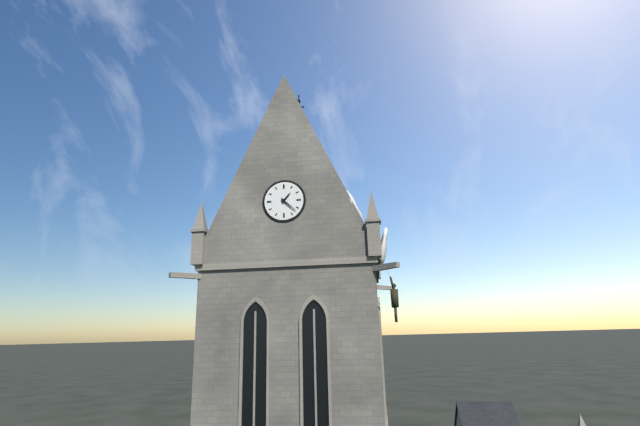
1:22
